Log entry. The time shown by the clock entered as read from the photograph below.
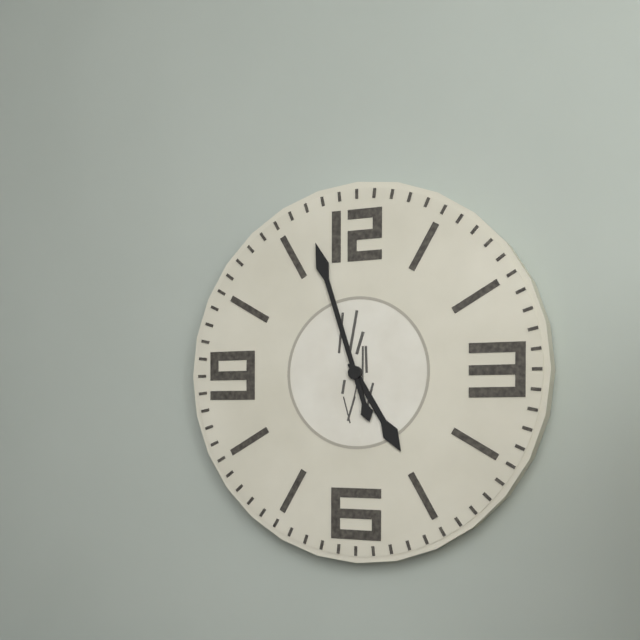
4:57
